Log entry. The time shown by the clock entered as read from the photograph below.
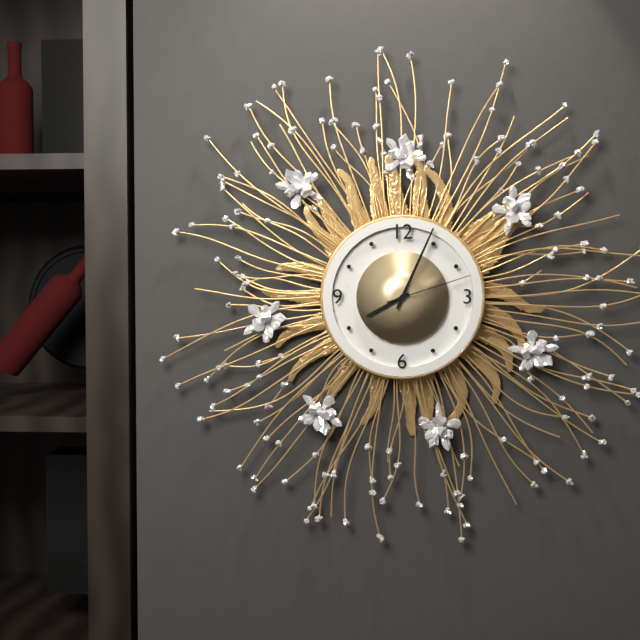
8:04:12
